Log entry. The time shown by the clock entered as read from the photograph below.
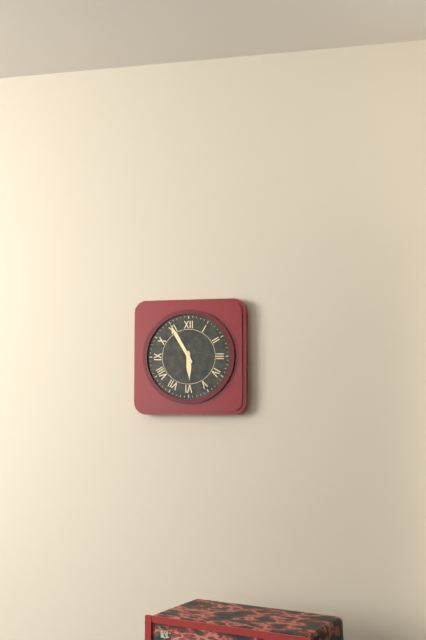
5:55
